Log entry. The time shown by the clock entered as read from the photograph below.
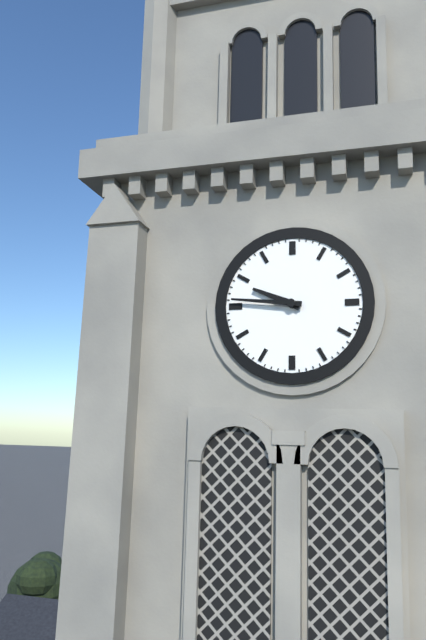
9:46
